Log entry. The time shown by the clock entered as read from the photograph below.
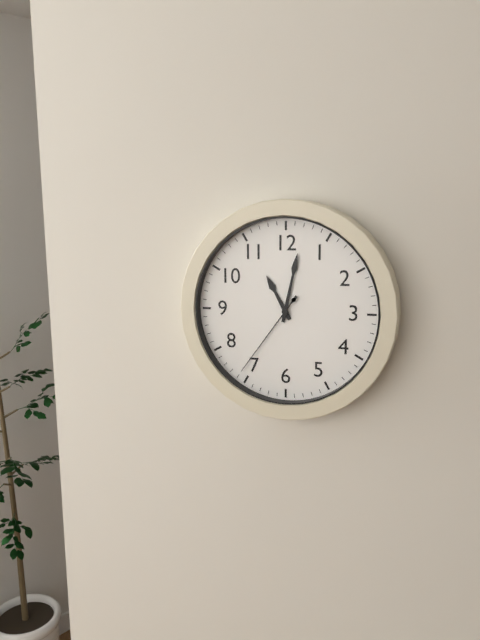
11:02:36
